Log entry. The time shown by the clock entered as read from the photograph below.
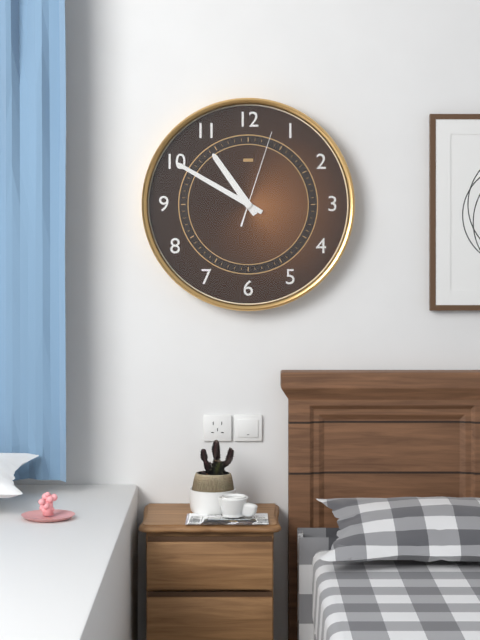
10:50:03
